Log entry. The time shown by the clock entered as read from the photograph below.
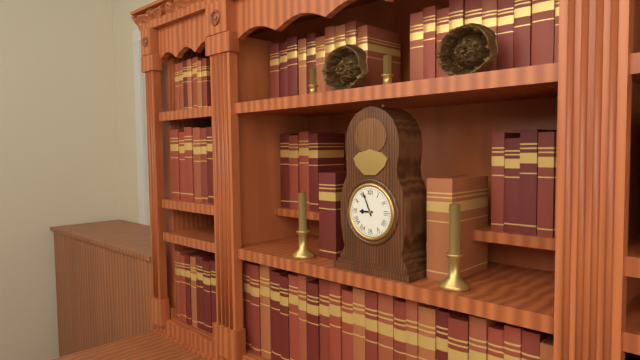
8:56
